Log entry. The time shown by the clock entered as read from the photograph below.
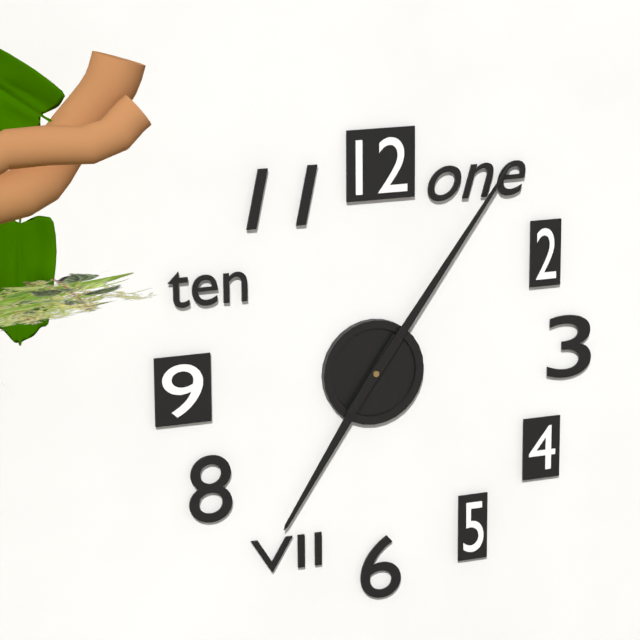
7:06
